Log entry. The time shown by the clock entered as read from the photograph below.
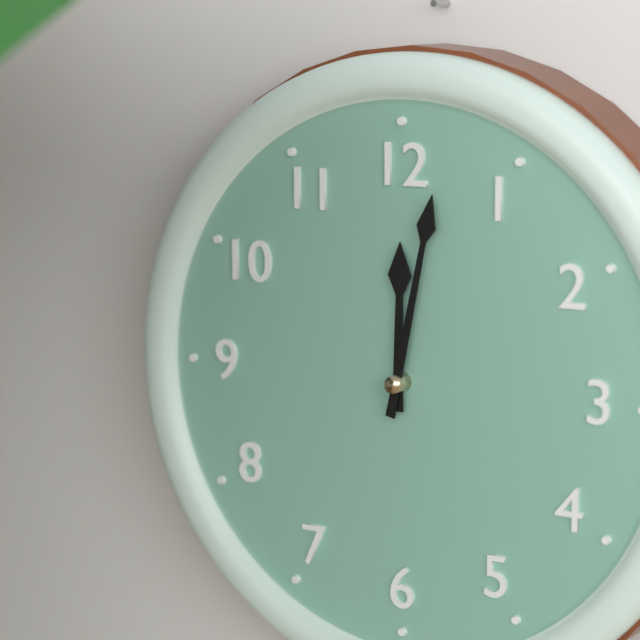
12:02
